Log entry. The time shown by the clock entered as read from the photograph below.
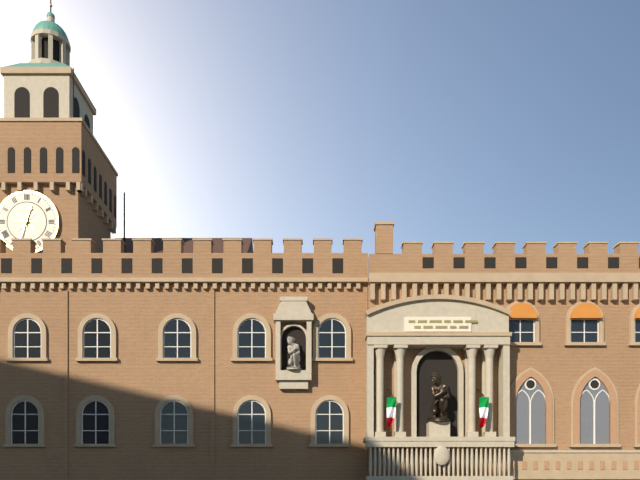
12:33
